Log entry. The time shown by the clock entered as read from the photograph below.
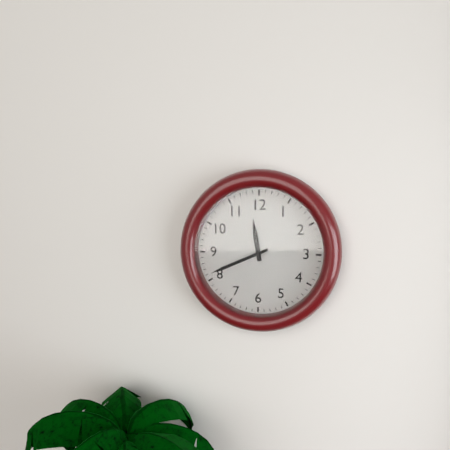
11:41
